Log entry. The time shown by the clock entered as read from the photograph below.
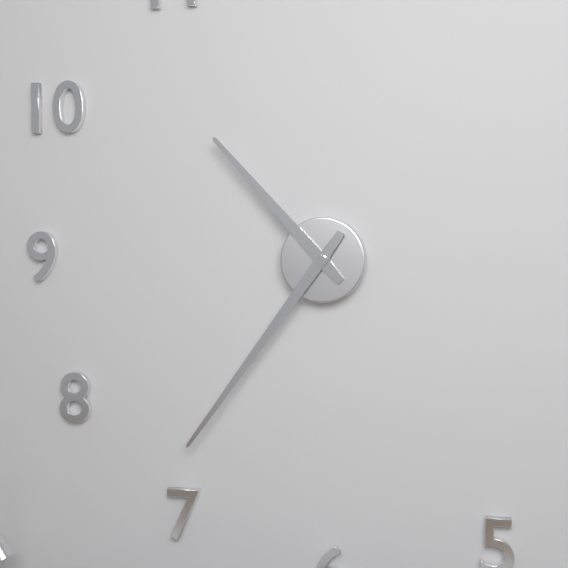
10:36
